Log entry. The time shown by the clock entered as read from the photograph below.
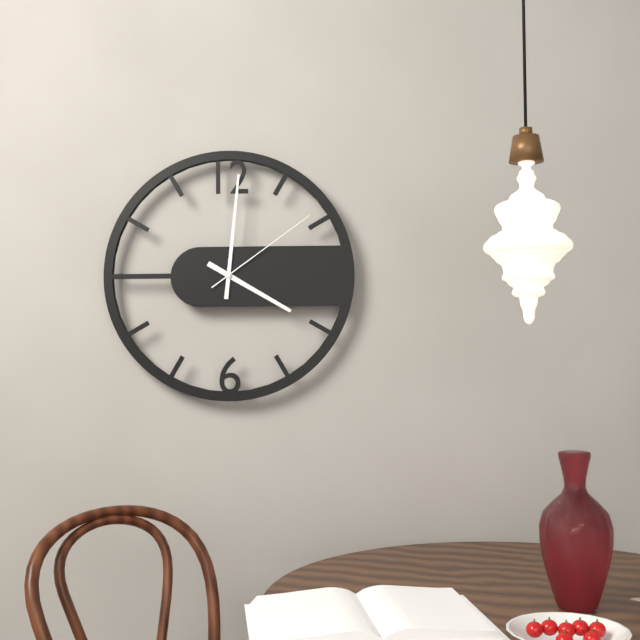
4:01:09
